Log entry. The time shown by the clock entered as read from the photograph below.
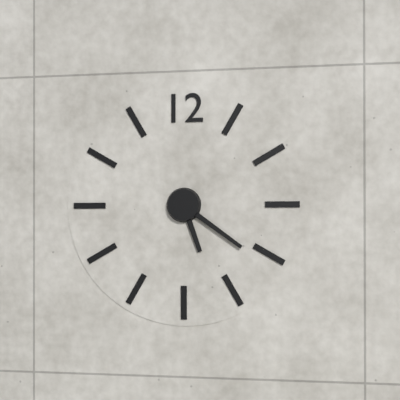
5:21
